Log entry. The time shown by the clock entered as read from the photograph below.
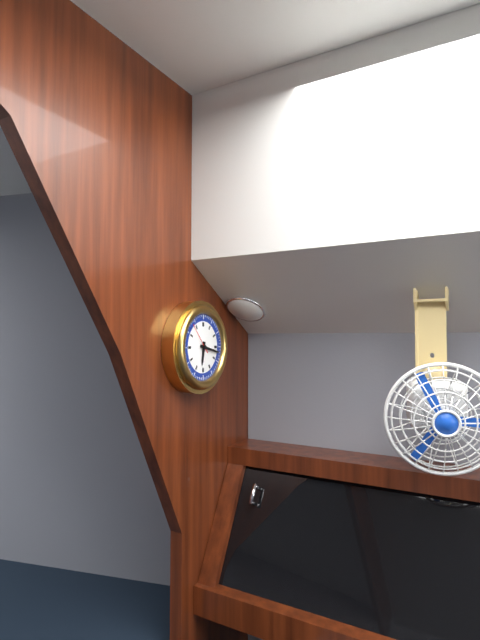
6:17
